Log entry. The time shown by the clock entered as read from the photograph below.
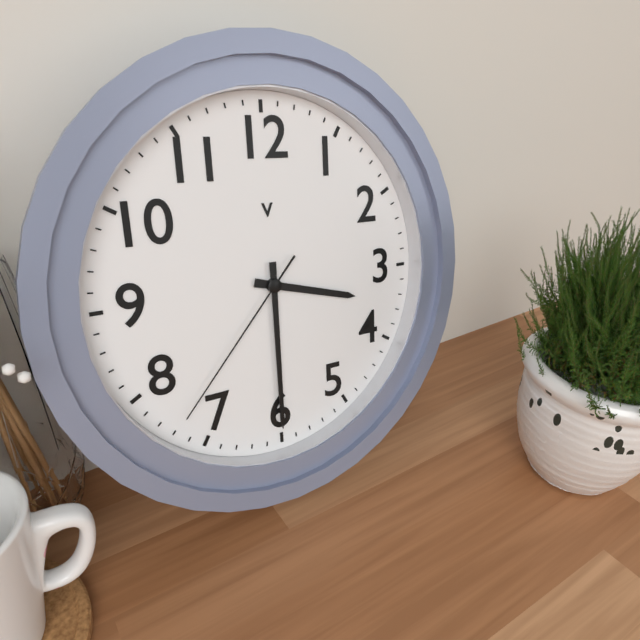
3:30:37
